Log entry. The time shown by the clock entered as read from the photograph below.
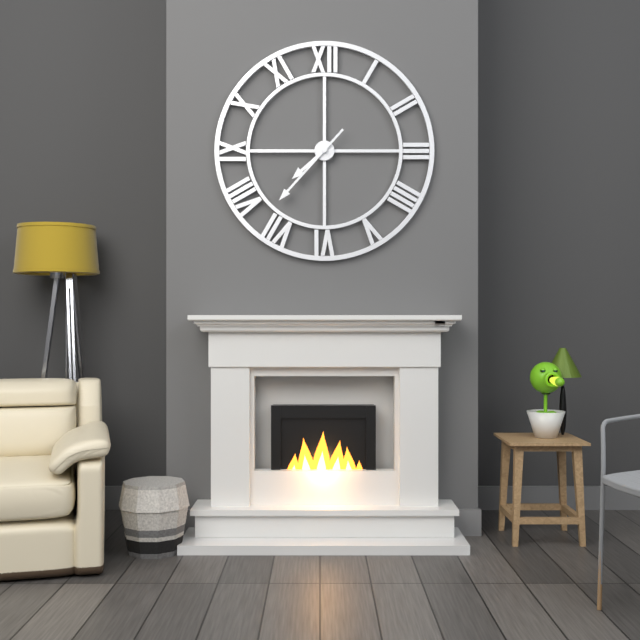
7:37
